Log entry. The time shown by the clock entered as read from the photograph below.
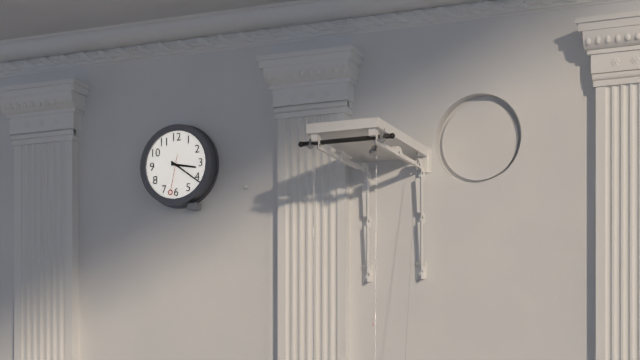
3:21
